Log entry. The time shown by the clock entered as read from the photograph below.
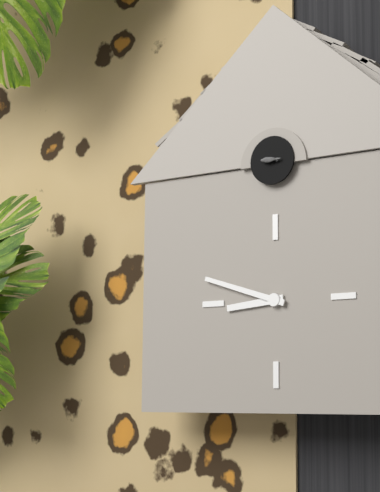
8:48
